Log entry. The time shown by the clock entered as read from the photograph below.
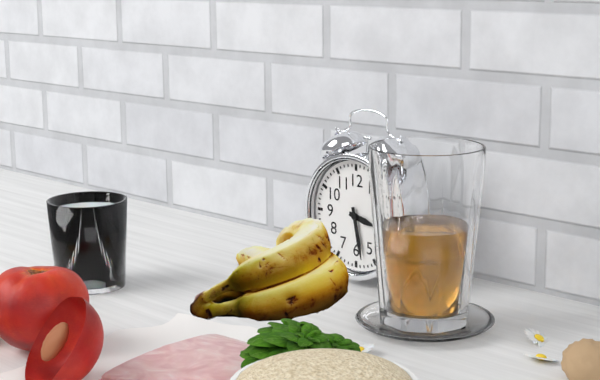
3:28
